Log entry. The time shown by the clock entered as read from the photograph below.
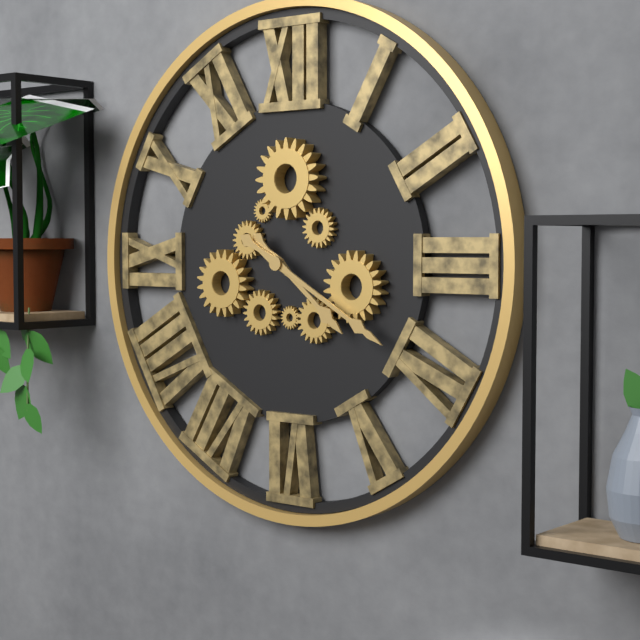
4:20
